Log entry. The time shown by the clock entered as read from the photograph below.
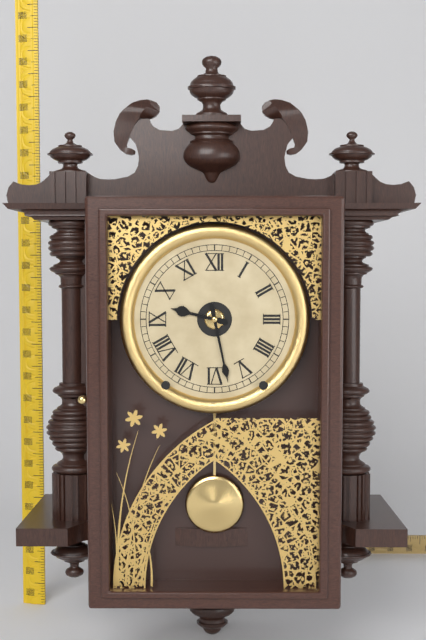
9:28
